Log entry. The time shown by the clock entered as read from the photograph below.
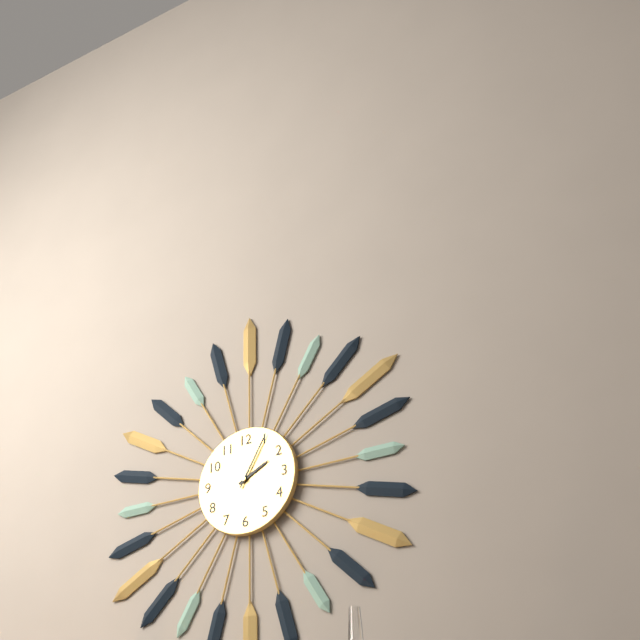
2:05
